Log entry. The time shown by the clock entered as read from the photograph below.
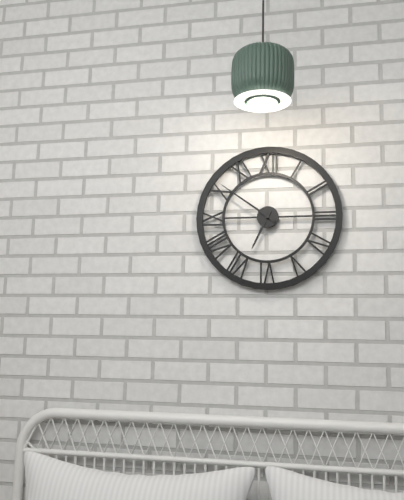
6:51
